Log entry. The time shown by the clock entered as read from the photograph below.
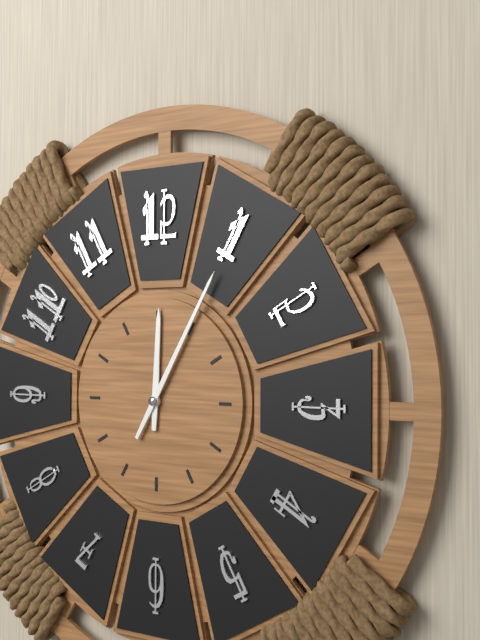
12:05
